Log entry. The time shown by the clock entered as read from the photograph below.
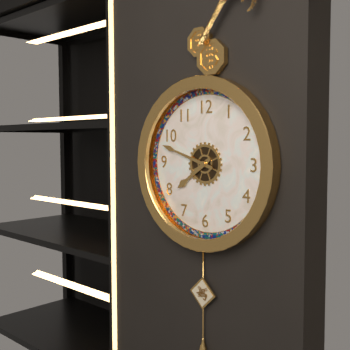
7:48
